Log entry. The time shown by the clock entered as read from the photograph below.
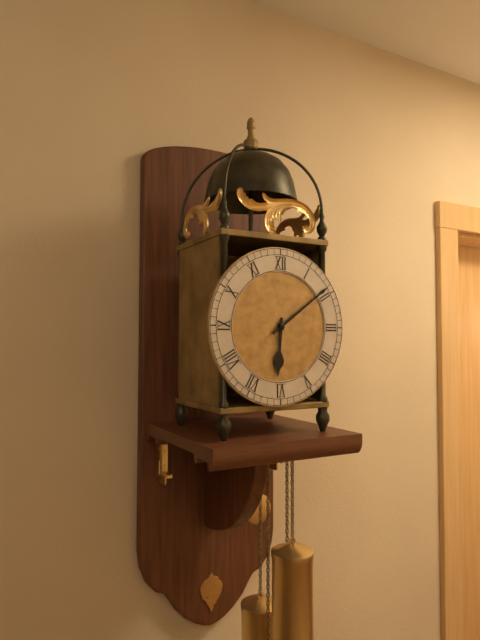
6:09
